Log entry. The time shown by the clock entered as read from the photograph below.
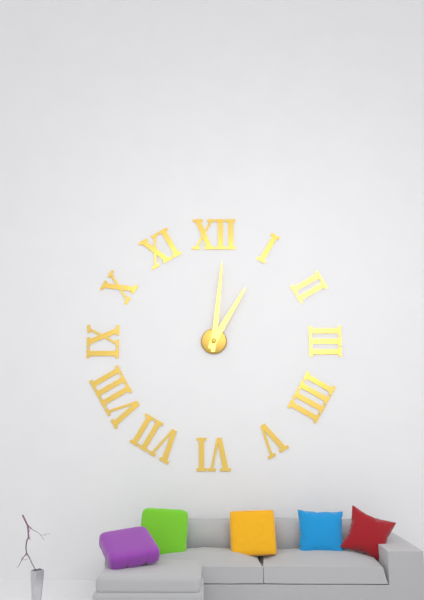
1:01
